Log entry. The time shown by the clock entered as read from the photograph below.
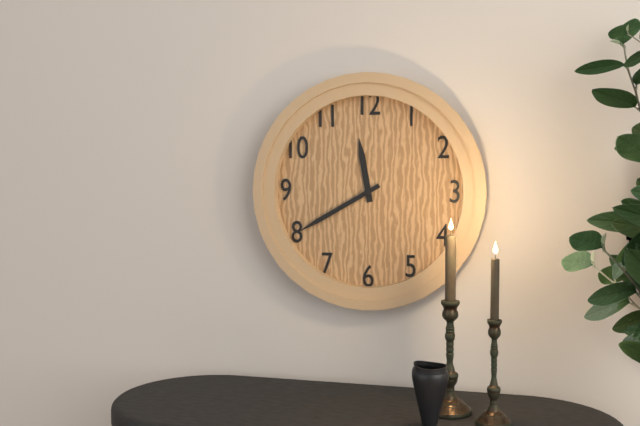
11:40
